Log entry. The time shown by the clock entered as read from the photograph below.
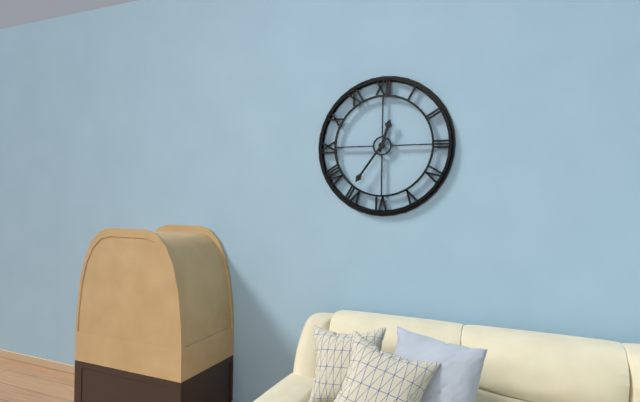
12:36
